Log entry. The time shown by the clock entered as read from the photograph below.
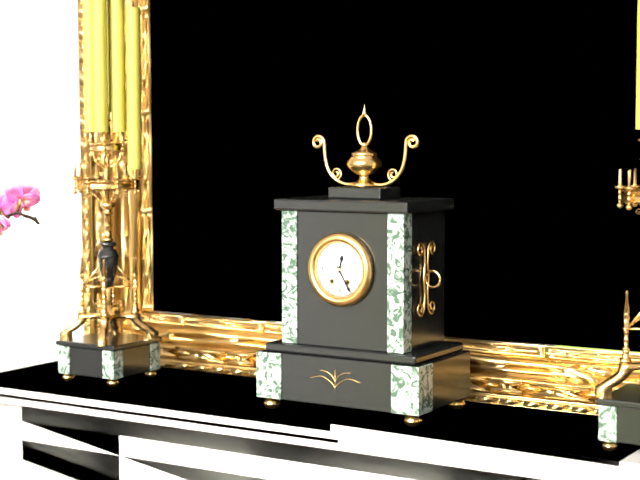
12:25
